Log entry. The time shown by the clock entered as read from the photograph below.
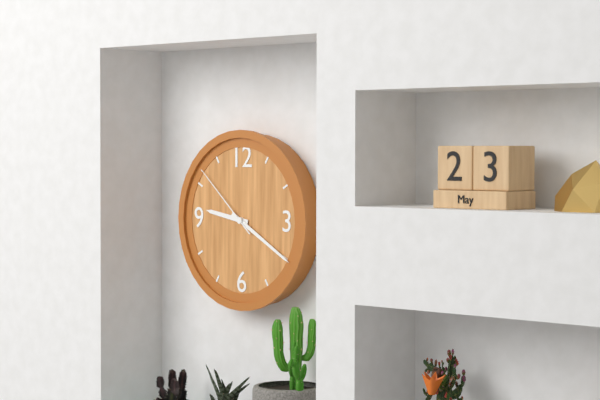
9:20:52
